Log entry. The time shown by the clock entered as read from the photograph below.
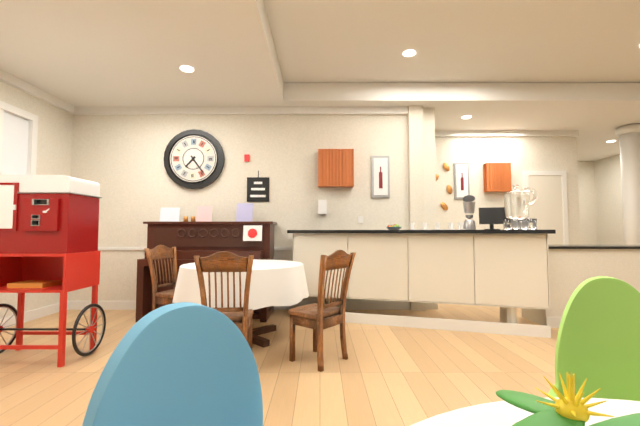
7:24
